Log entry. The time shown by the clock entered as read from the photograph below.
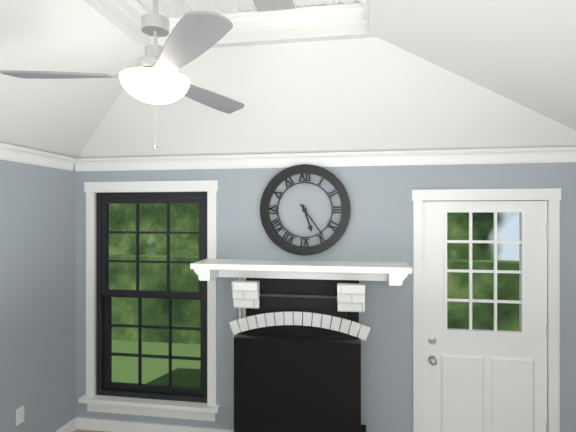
5:24
